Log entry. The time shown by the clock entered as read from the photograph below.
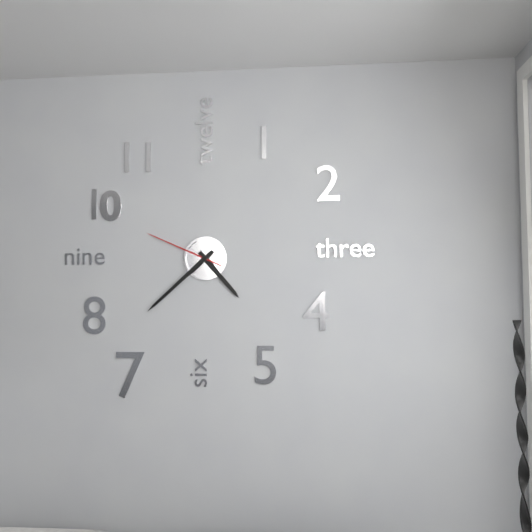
4:38:49
